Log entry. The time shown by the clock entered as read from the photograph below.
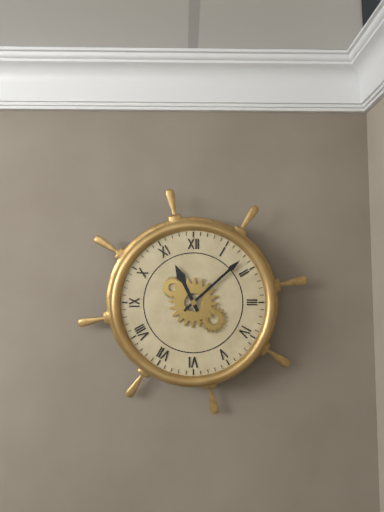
11:08
